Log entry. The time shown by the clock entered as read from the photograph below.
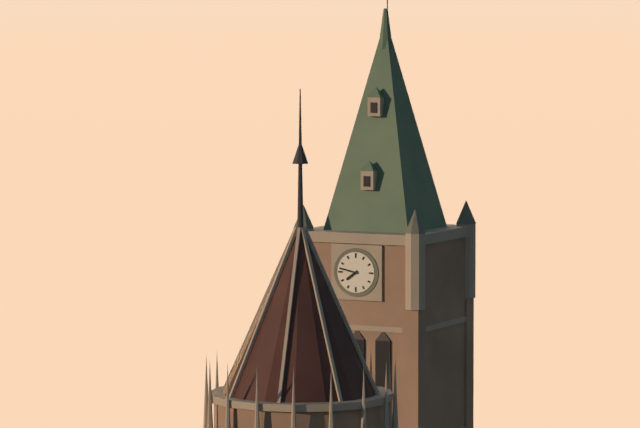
7:47
